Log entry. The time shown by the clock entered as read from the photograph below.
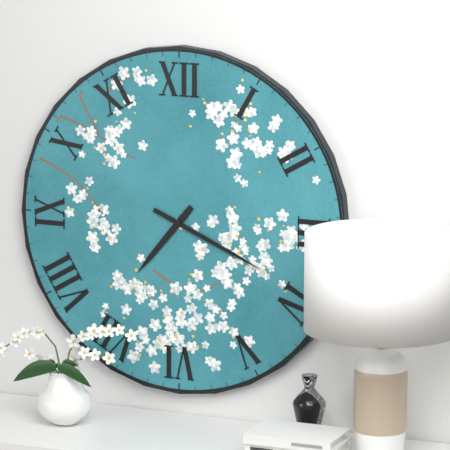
7:19
